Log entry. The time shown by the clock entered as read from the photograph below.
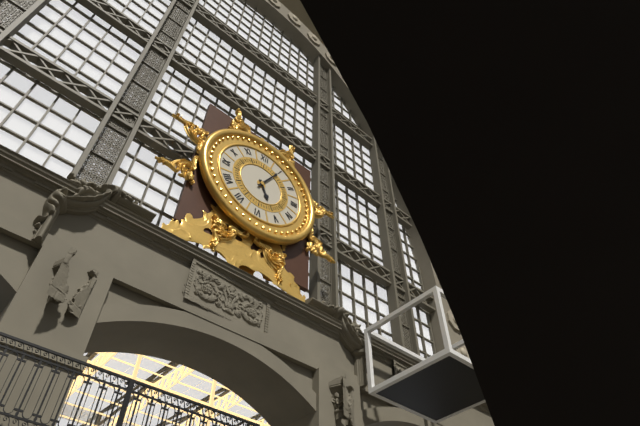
5:05
